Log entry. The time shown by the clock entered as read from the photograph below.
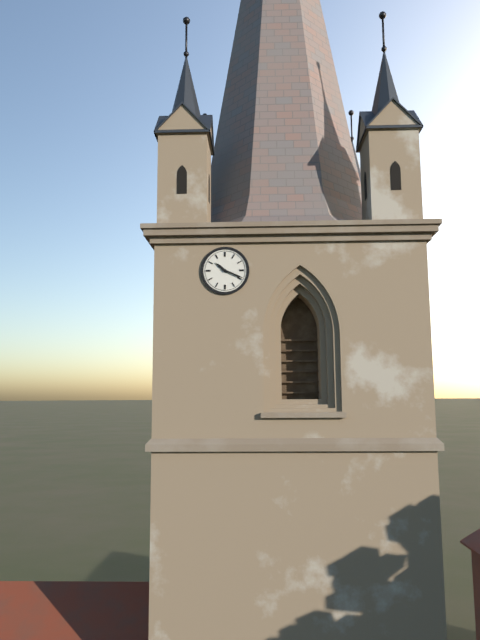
10:19
